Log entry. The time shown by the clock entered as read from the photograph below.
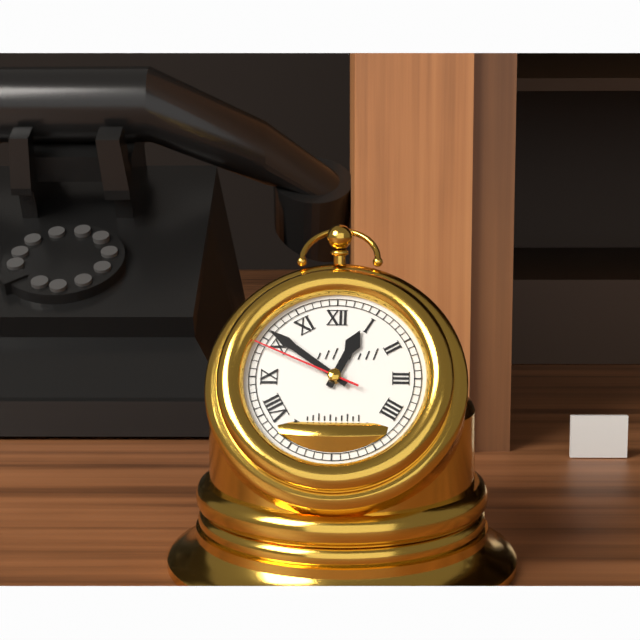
12:51:49
